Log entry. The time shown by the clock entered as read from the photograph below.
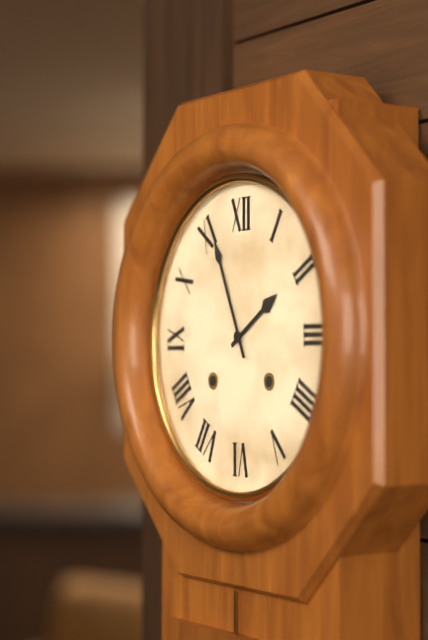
1:56
